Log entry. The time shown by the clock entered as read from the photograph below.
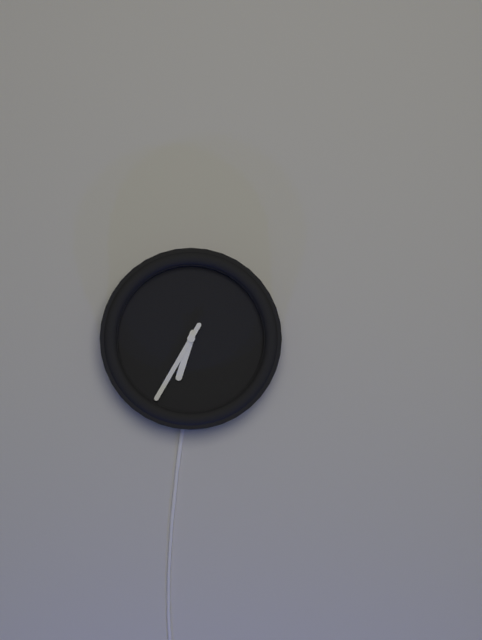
6:35
